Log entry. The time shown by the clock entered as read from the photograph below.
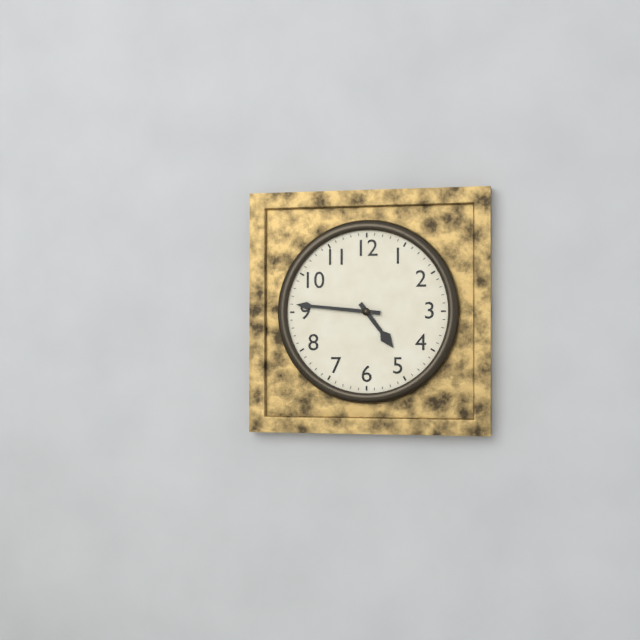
4:46
